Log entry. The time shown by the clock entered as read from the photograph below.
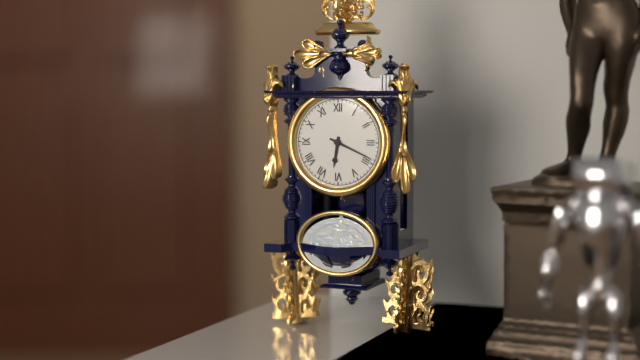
6:19
